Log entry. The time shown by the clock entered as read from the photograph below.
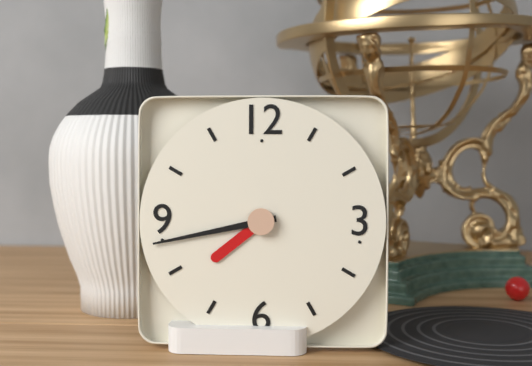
7:43
